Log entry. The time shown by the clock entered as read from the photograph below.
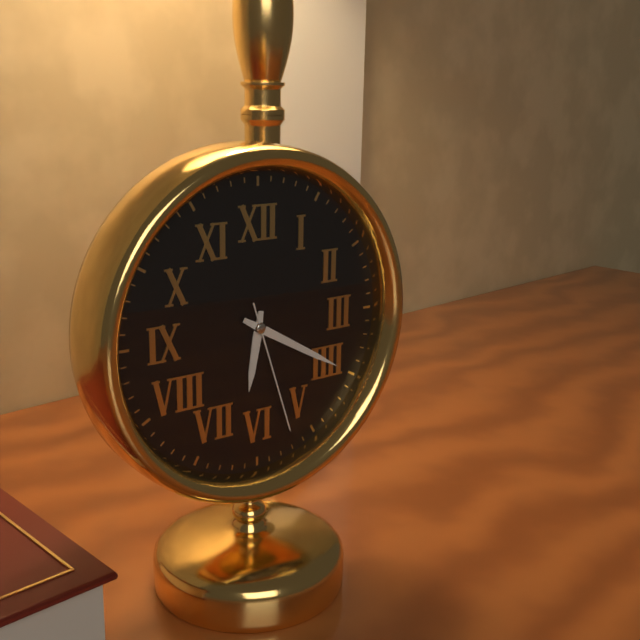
6:20:27
